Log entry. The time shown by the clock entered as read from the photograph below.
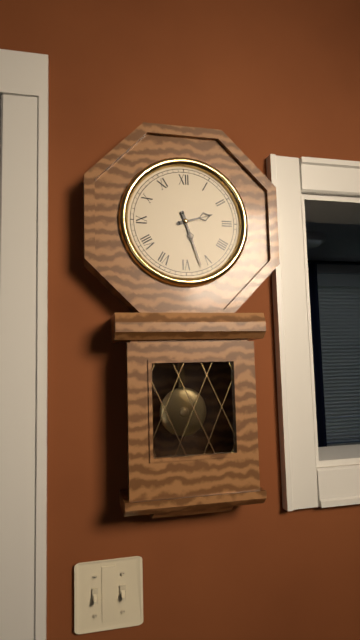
2:27
